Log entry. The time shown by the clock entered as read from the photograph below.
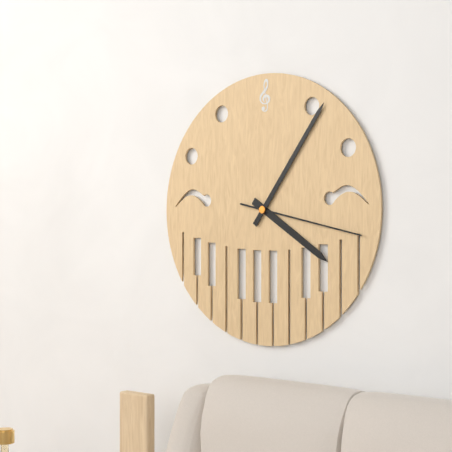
4:06:17
